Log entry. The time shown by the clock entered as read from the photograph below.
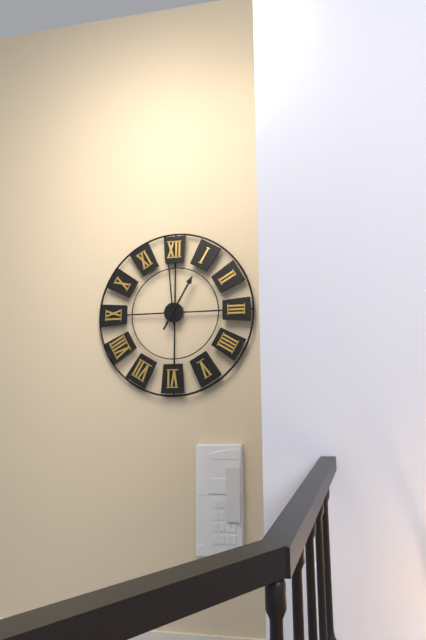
12:59
